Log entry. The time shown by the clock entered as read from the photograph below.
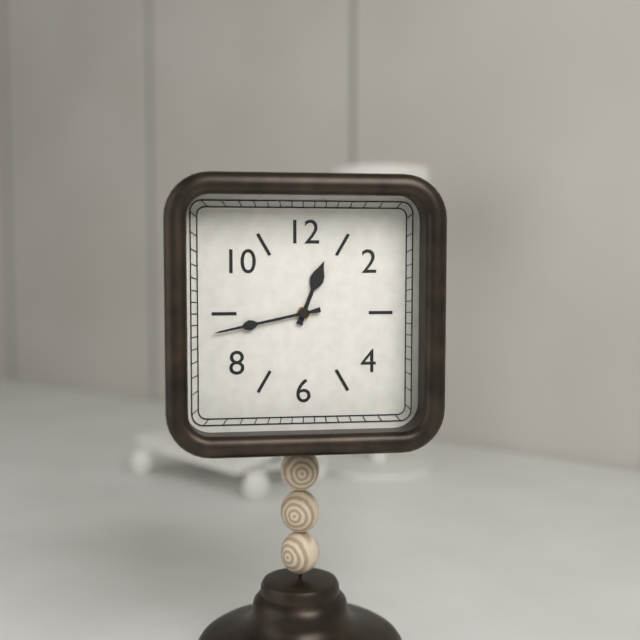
12:43
